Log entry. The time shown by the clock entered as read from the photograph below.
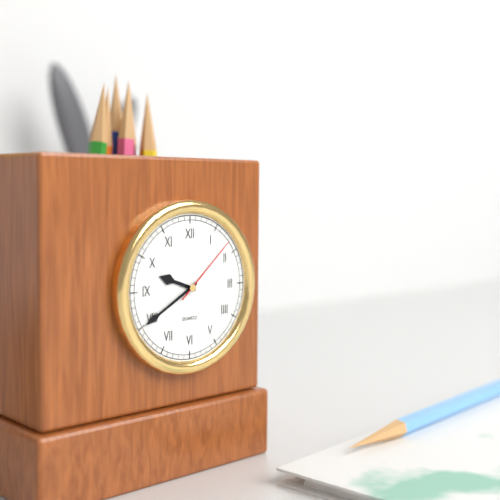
9:40:08
